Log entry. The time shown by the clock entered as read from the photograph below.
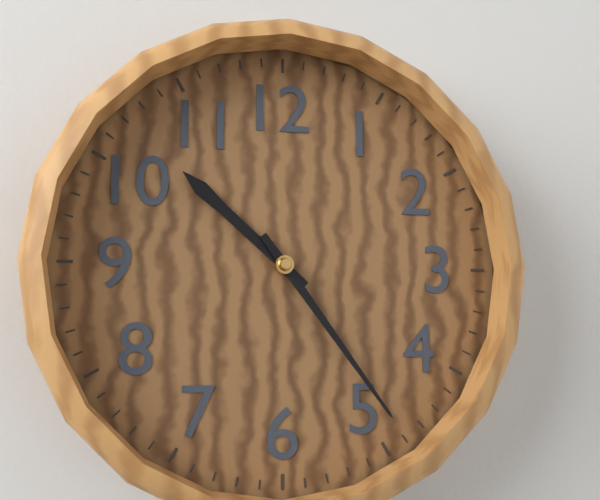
10:24
